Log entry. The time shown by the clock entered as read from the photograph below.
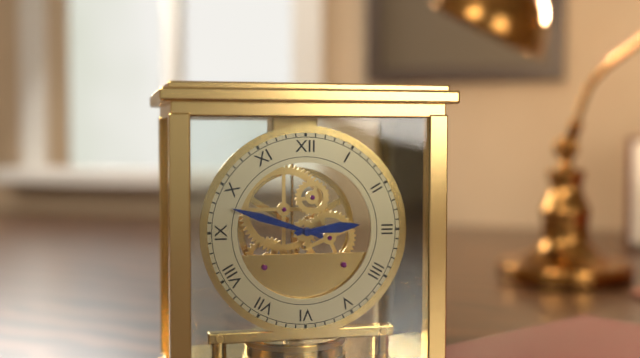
2:48
